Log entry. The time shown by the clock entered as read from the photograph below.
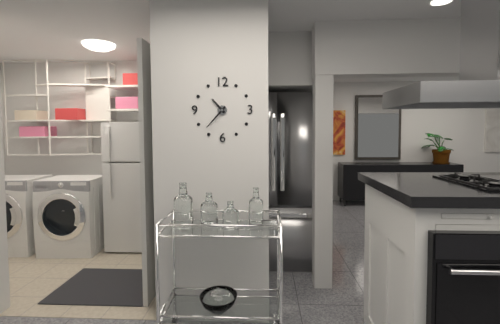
10:37
